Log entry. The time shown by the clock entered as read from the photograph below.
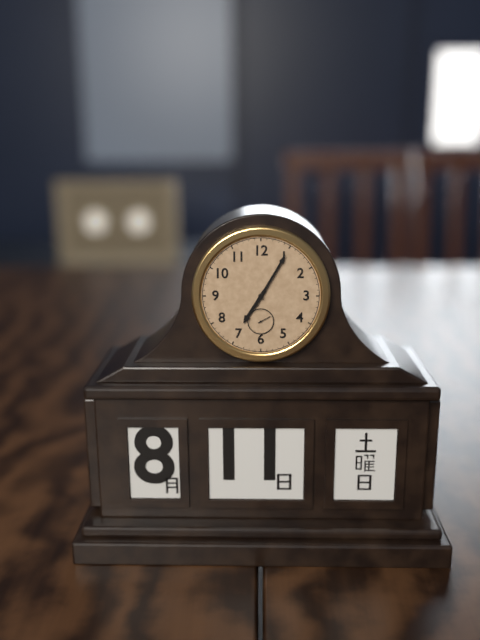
7:05
